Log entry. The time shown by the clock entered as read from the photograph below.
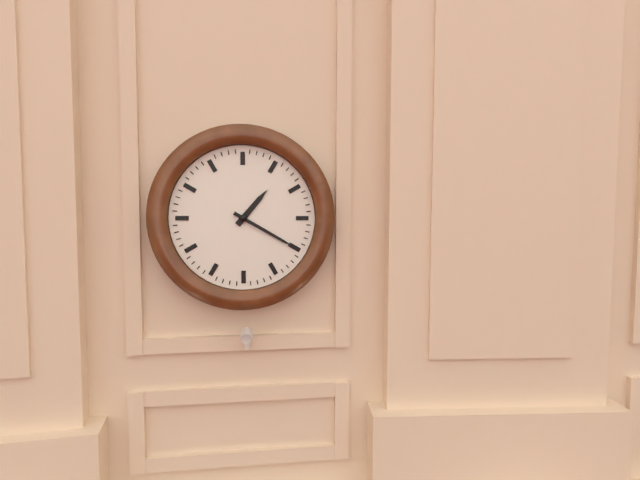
1:20
